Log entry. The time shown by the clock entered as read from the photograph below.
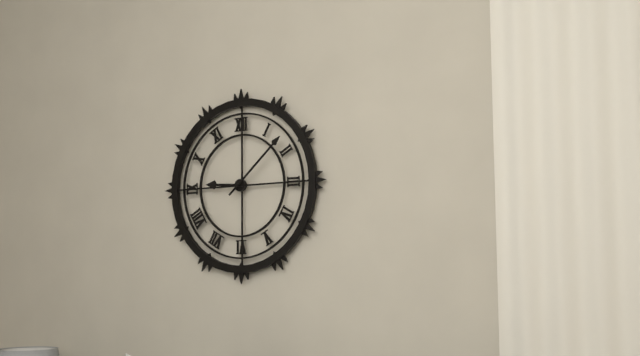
9:08
